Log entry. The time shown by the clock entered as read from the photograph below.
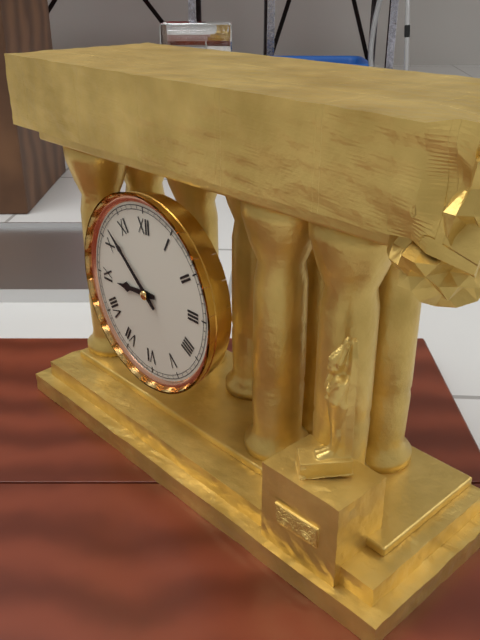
8:52
